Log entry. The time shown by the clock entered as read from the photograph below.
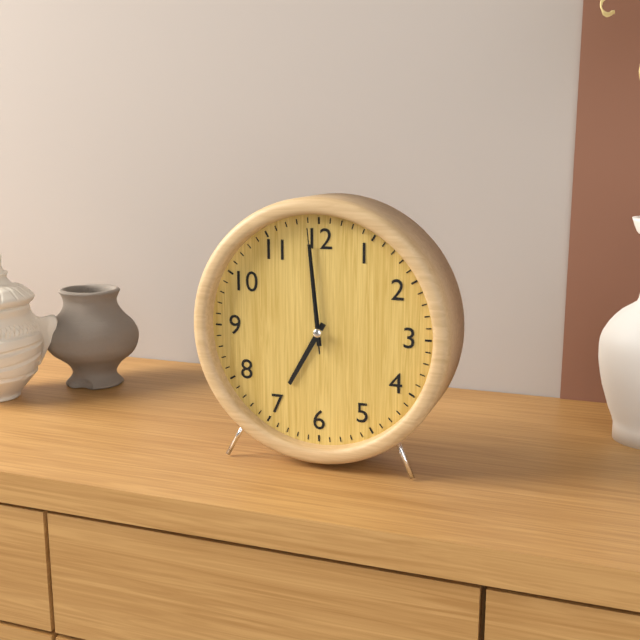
6:59:59
